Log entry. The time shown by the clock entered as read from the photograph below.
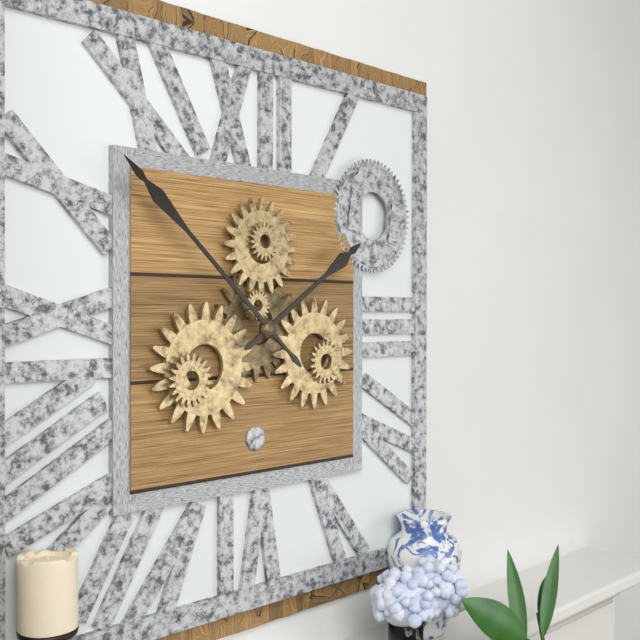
1:52
